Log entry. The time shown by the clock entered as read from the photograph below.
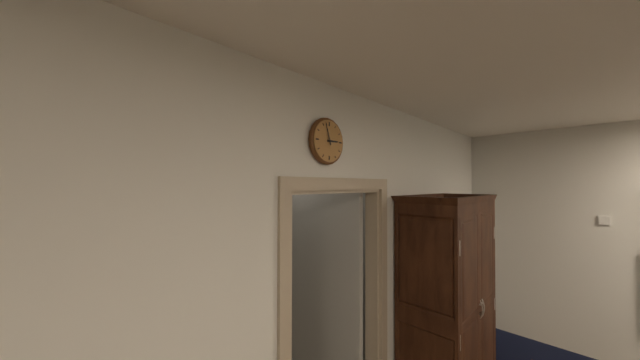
2:57
